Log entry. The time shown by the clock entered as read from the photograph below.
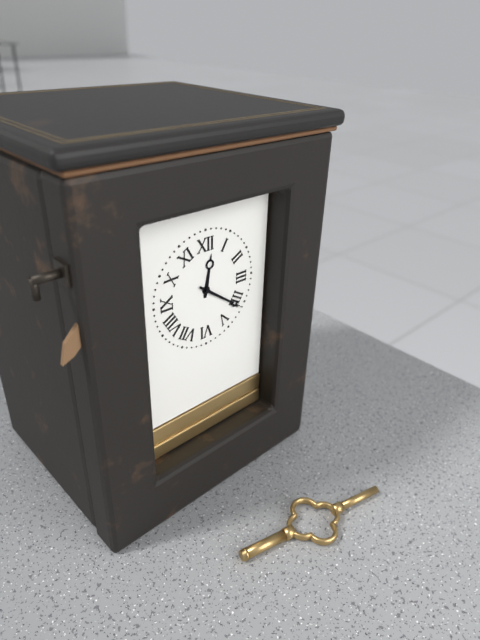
12:21
